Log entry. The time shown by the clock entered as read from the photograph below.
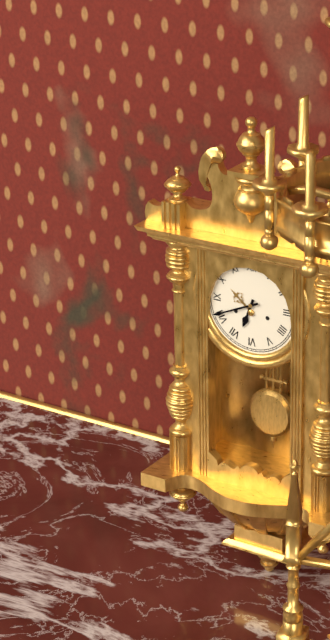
6:41
